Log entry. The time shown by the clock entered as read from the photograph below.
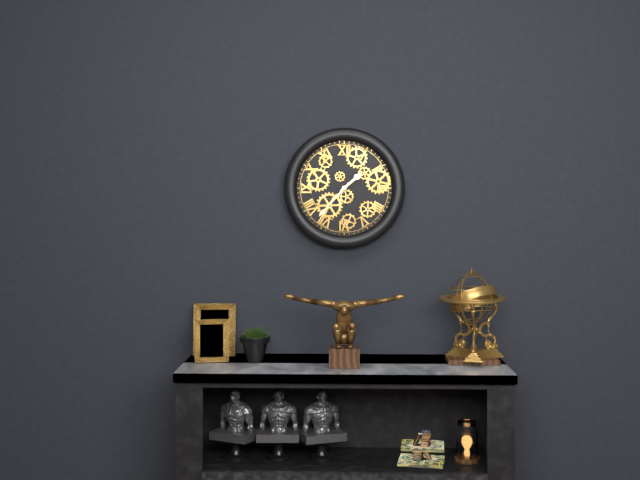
1:37
